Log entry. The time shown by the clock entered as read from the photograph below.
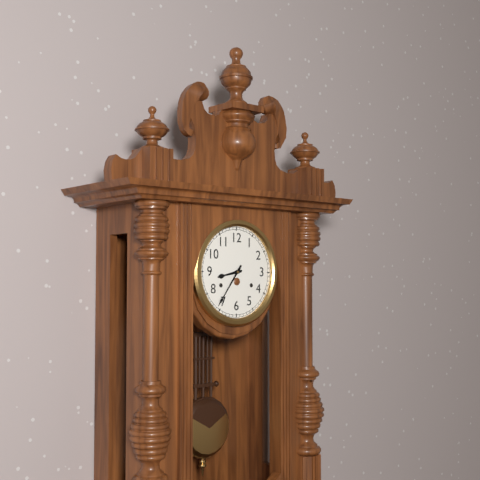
8:36
